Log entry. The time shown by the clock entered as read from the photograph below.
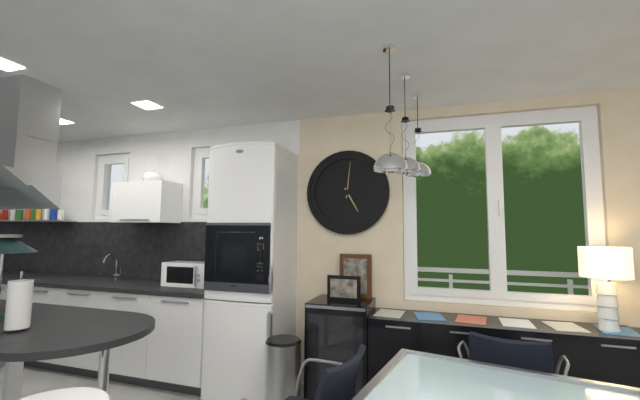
5:01
